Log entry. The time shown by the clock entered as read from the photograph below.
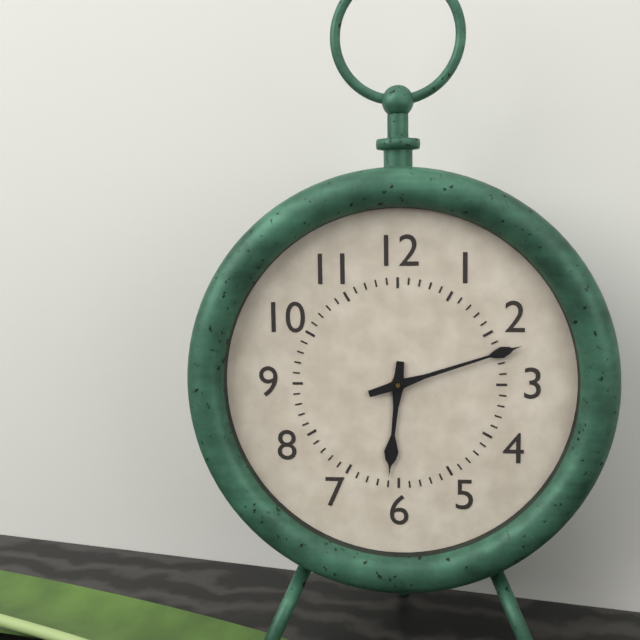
6:12
